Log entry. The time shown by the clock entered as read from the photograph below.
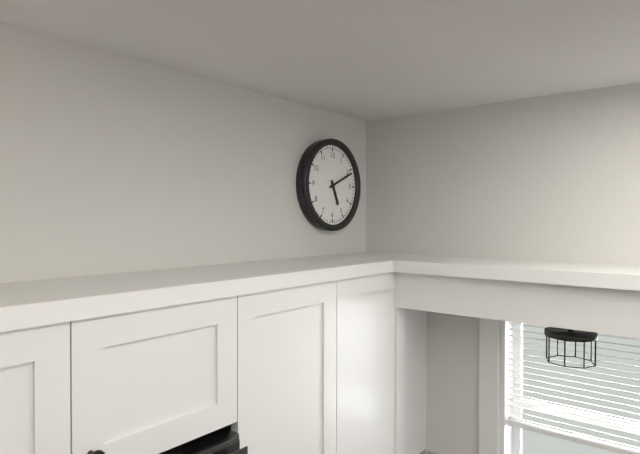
5:11
